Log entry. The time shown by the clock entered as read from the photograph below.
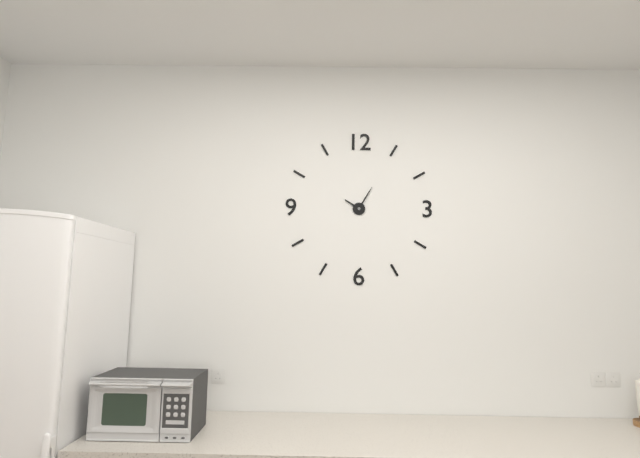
10:05
